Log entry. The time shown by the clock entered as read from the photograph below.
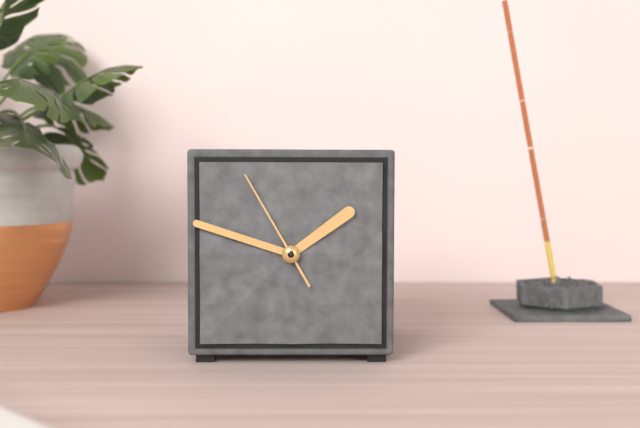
1:48:55
